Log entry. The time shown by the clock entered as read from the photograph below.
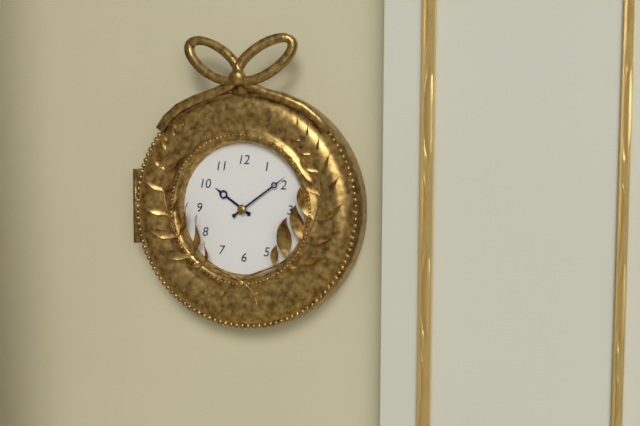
10:09
